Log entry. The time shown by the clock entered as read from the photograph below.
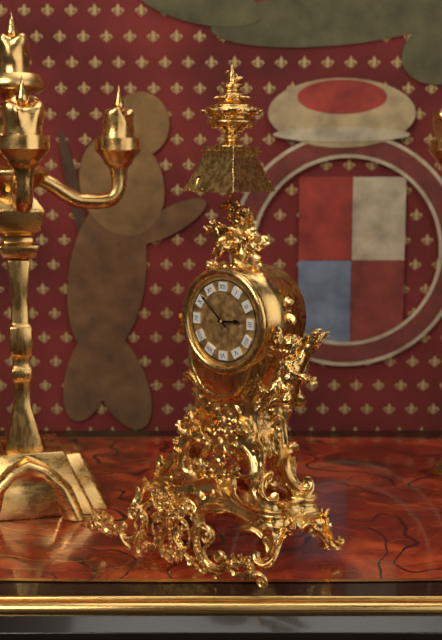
2:52
